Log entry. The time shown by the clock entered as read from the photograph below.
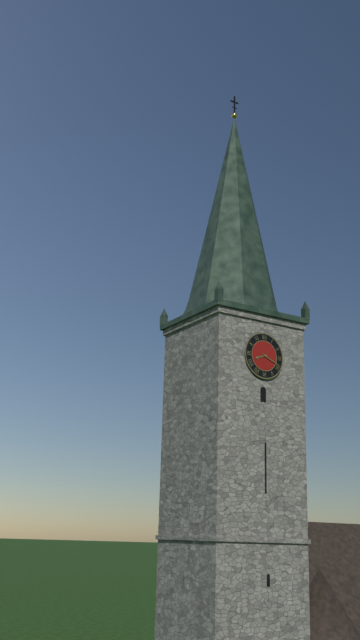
8:19
